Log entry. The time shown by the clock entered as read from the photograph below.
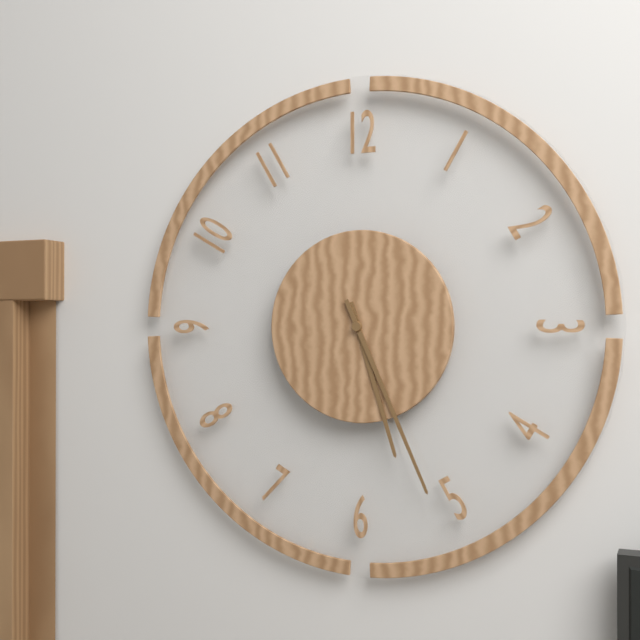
5:26
